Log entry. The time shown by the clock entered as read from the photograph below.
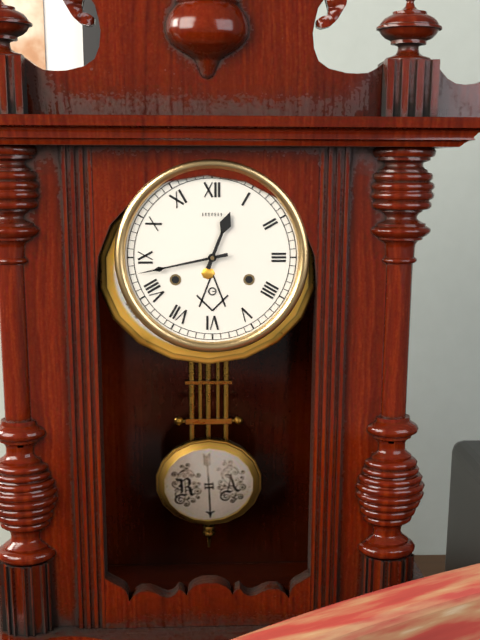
12:43
